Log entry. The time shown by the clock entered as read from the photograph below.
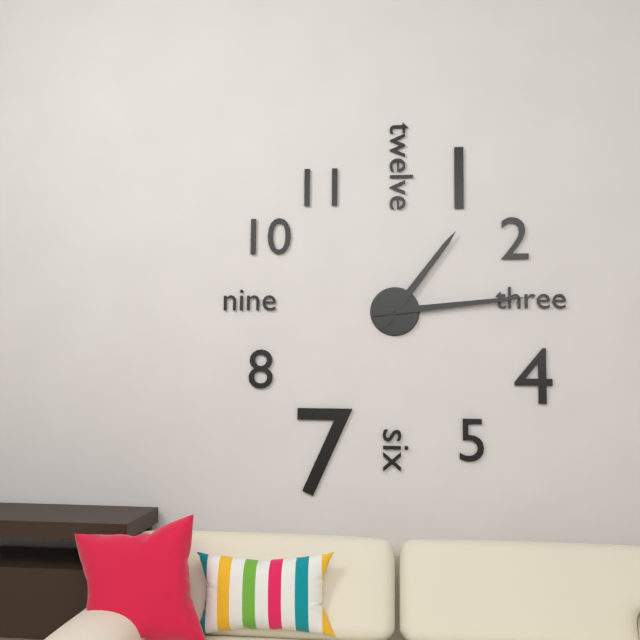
1:14
